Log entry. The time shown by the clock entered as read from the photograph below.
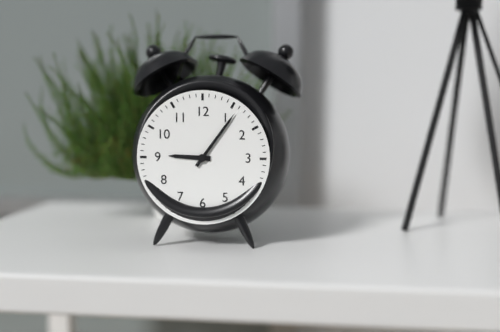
9:06
